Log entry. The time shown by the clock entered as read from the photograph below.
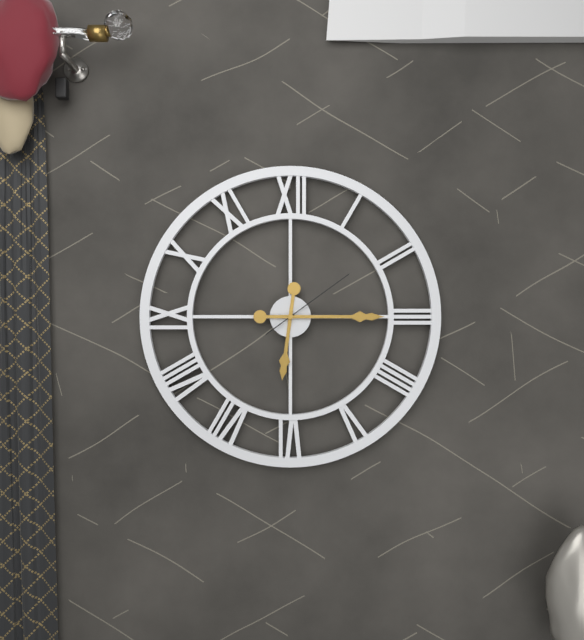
6:15:09
